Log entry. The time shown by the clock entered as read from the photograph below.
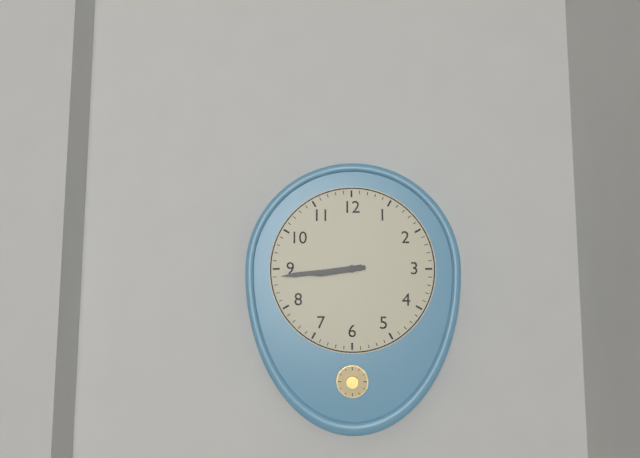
8:44
